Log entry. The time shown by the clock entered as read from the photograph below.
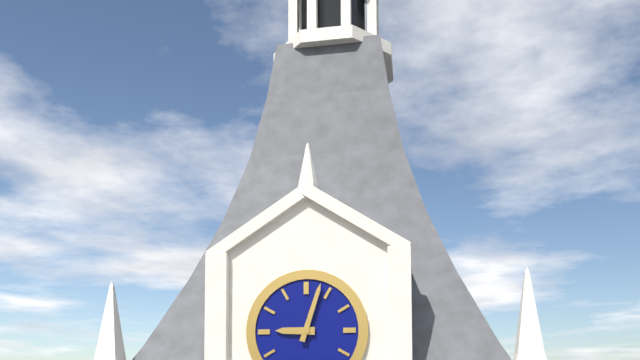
9:03
